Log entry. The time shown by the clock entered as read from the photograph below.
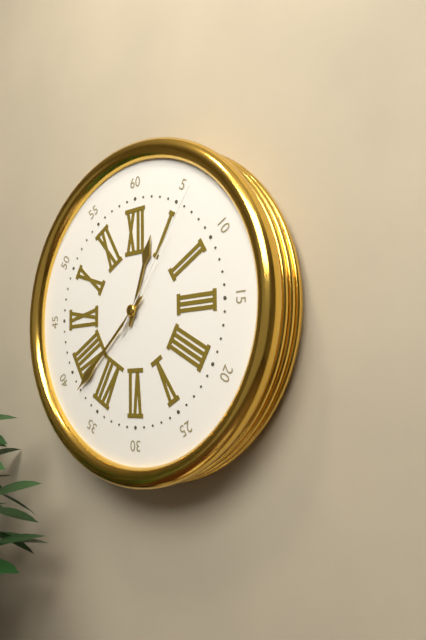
12:38:06
